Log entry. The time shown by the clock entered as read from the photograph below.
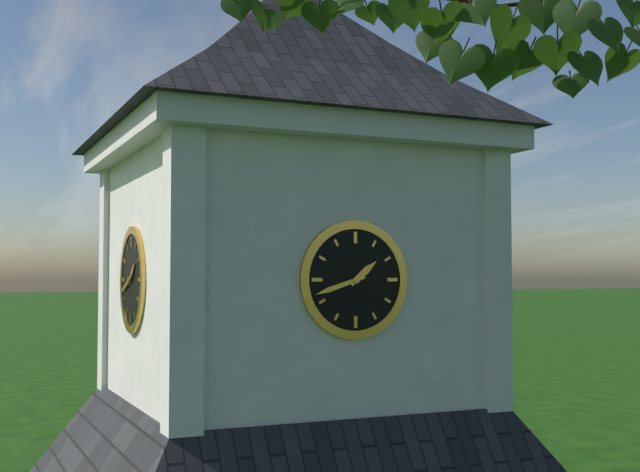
1:42
